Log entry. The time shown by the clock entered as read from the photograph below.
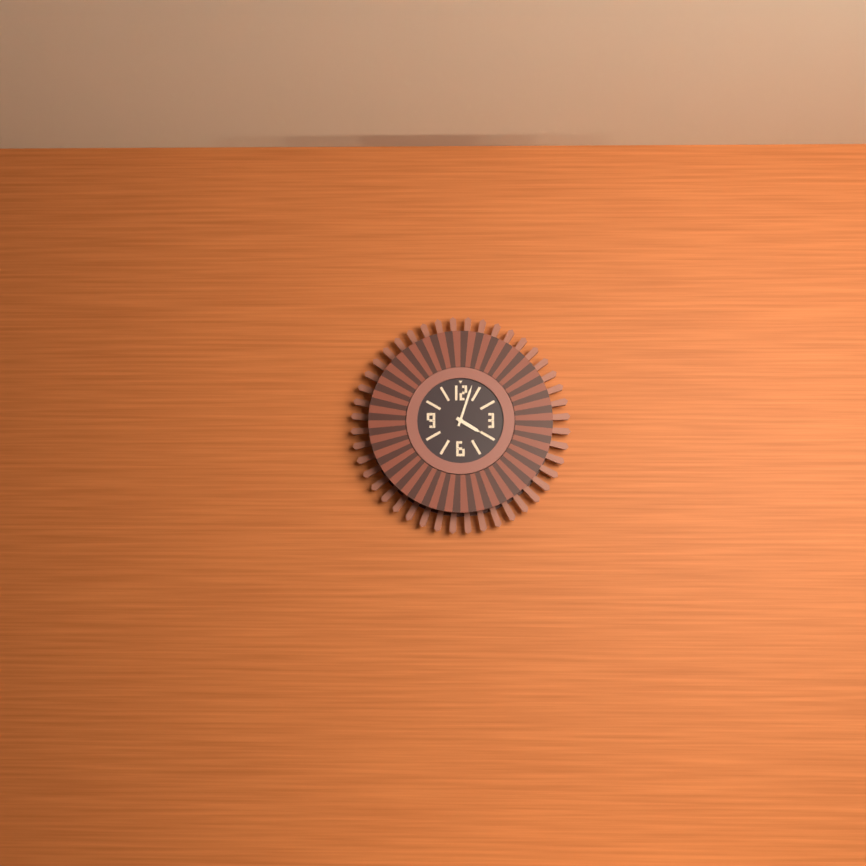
4:03
